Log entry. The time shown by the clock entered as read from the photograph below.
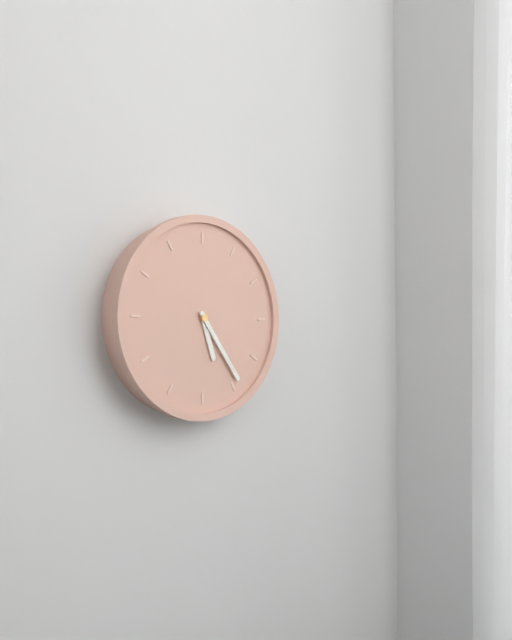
5:24
